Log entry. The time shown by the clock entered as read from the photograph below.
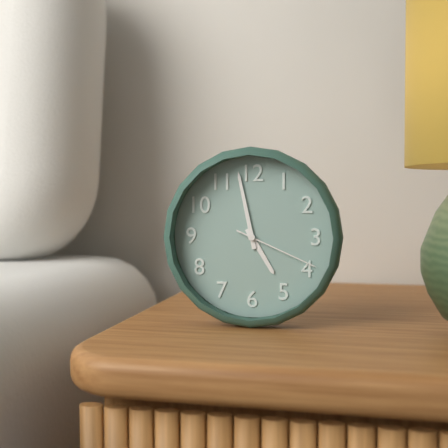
4:58:19
